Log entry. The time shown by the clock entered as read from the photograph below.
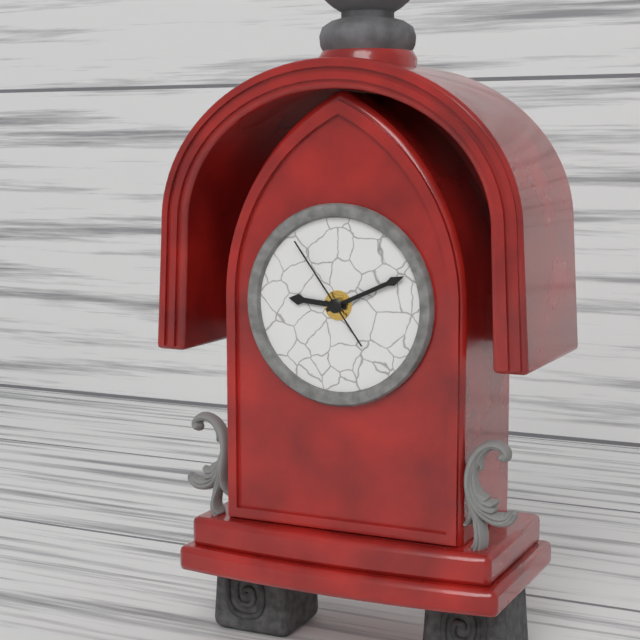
9:11:54
